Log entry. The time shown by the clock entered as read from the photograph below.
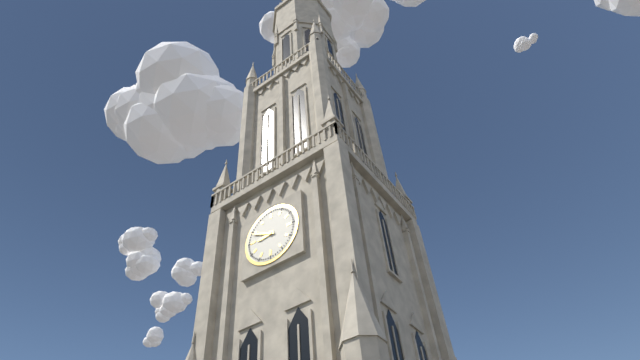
8:49
